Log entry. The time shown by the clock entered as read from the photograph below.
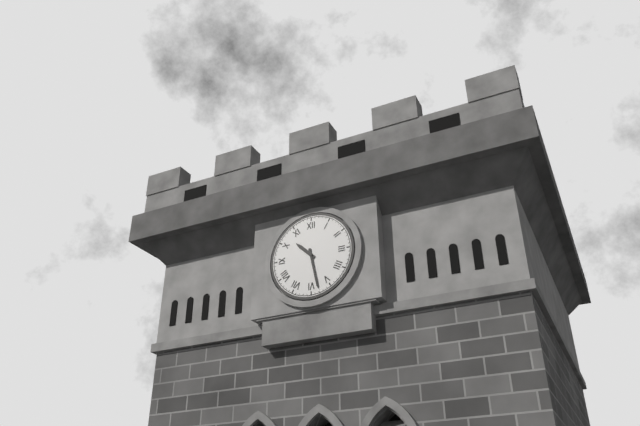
10:28
